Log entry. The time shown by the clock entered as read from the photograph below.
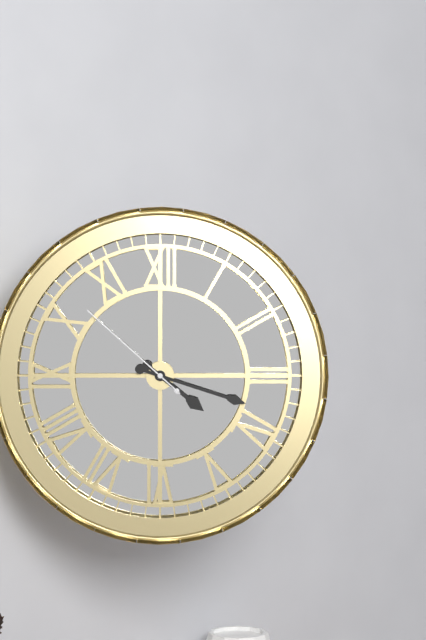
4:18:52
